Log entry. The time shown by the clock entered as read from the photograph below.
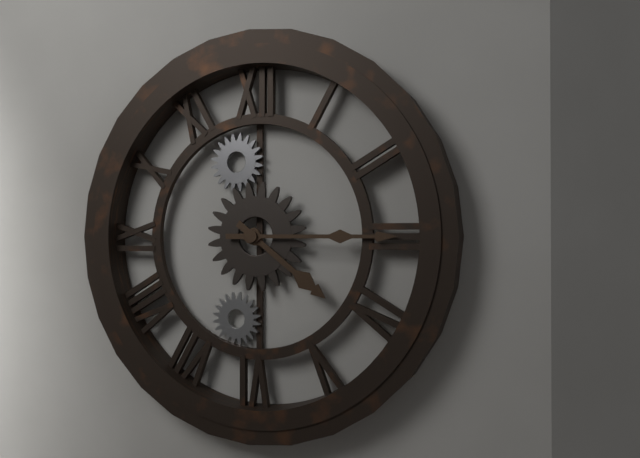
4:15
